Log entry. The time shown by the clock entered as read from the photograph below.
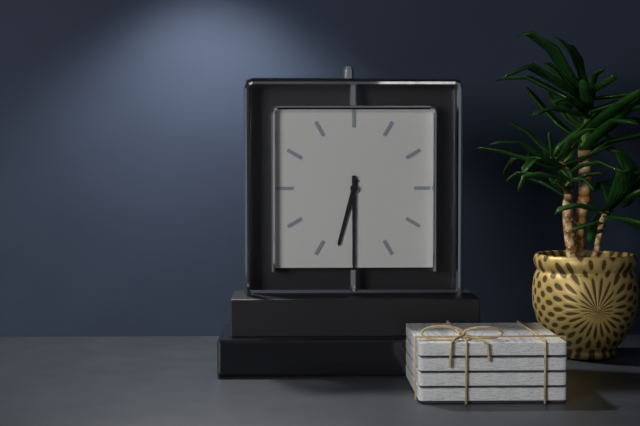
6:30
